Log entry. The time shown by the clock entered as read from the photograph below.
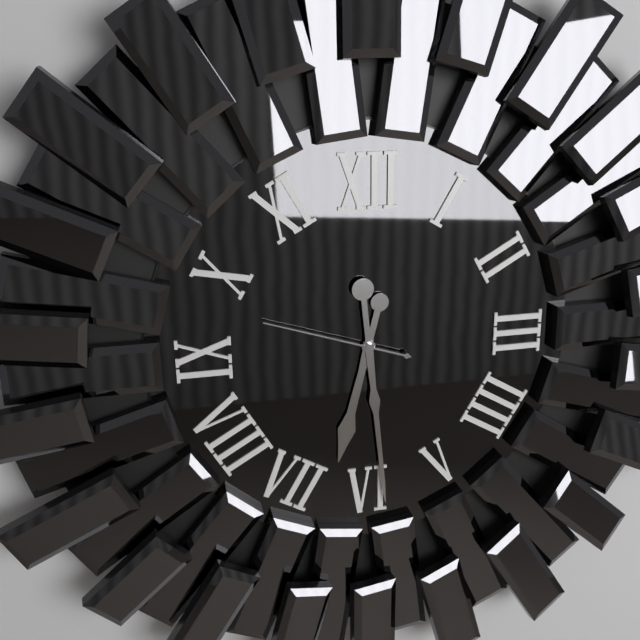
6:29:48
